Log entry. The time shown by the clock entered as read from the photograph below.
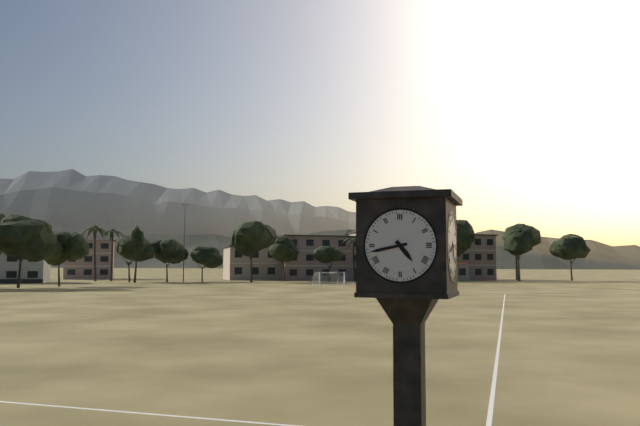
4:43
